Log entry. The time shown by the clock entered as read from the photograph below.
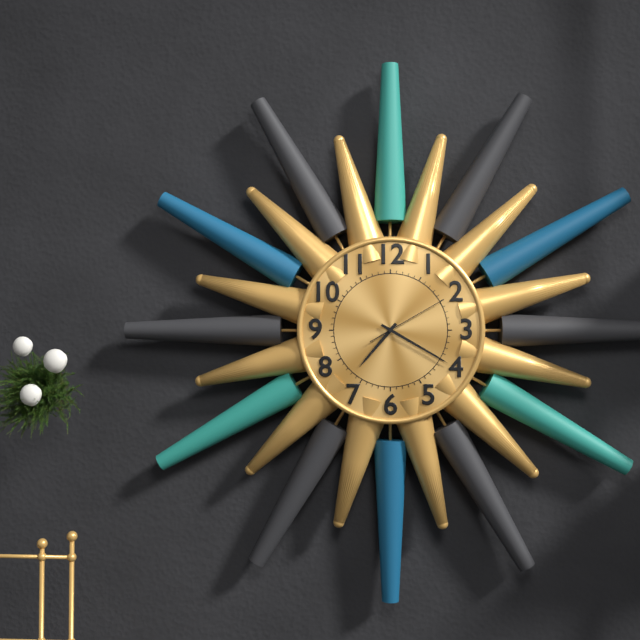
7:20:10
